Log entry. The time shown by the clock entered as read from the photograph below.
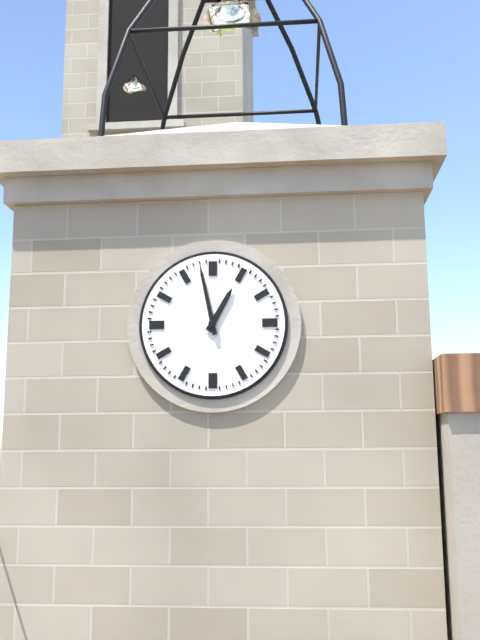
12:58
